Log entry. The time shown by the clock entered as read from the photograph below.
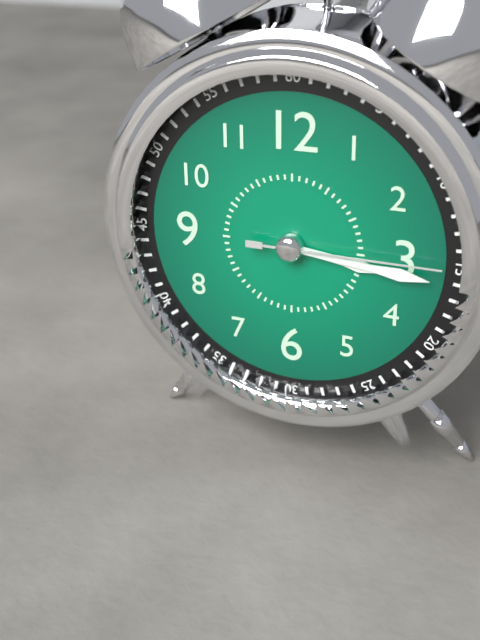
3:16:15
